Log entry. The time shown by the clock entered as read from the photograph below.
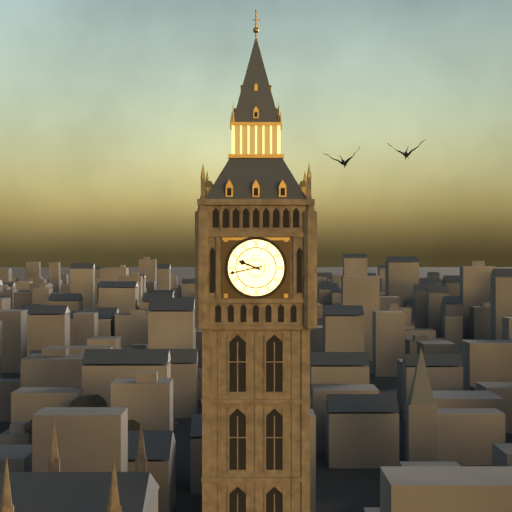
9:43
